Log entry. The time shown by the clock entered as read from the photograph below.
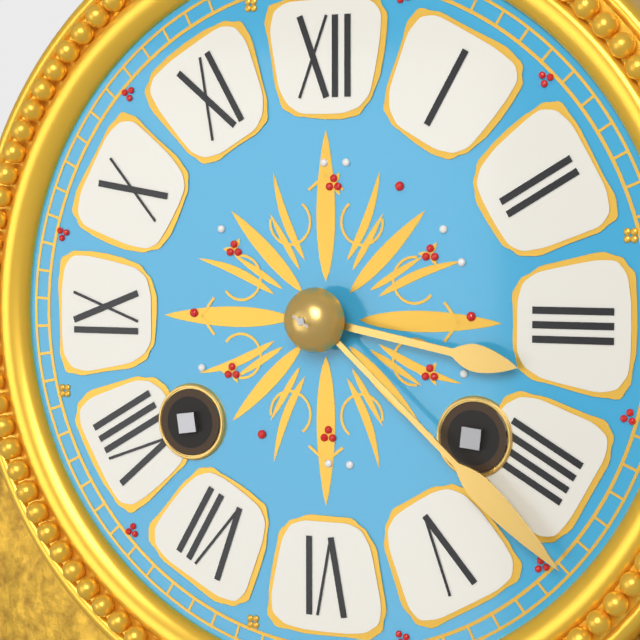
3:22
